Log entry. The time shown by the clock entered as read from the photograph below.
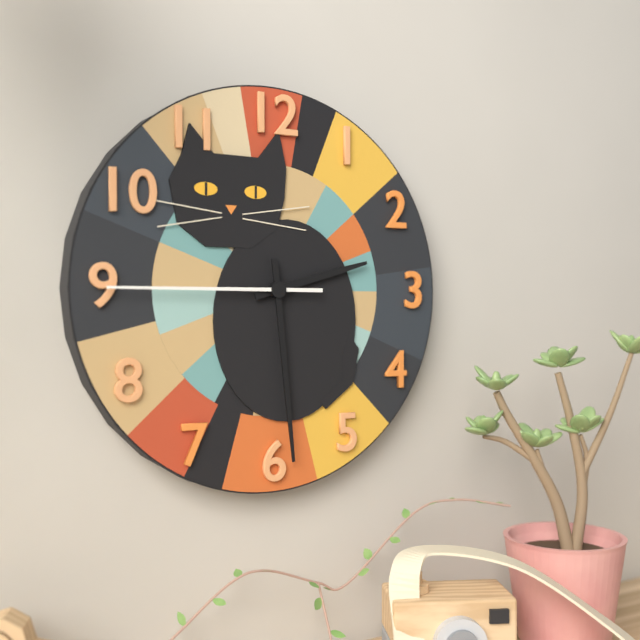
2:29:45
